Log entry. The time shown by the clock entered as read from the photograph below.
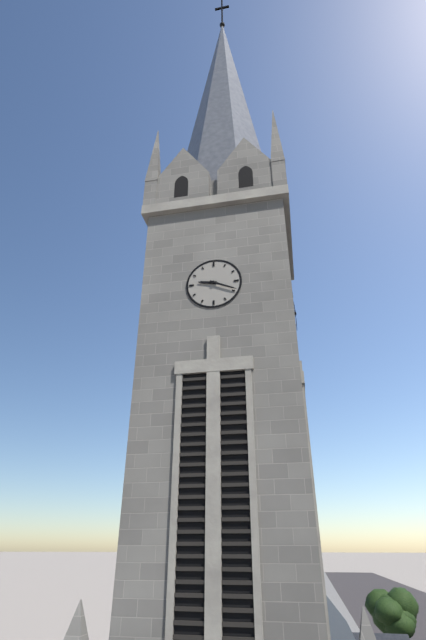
9:19
